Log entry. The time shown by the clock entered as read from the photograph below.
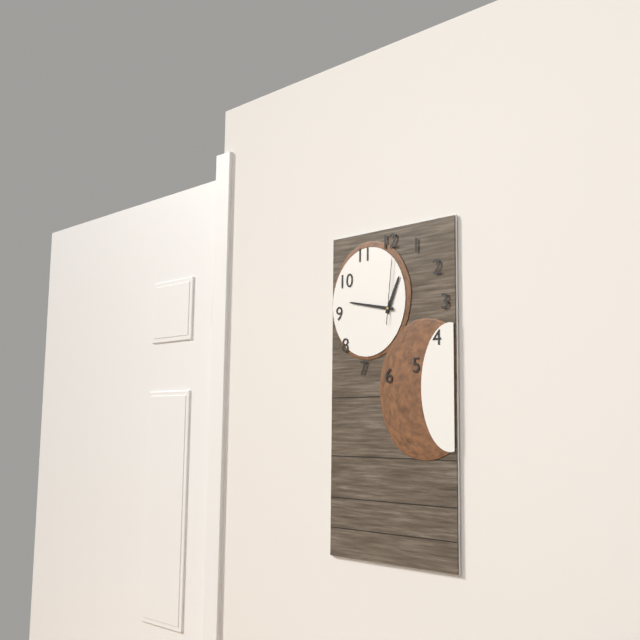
12:47:01
